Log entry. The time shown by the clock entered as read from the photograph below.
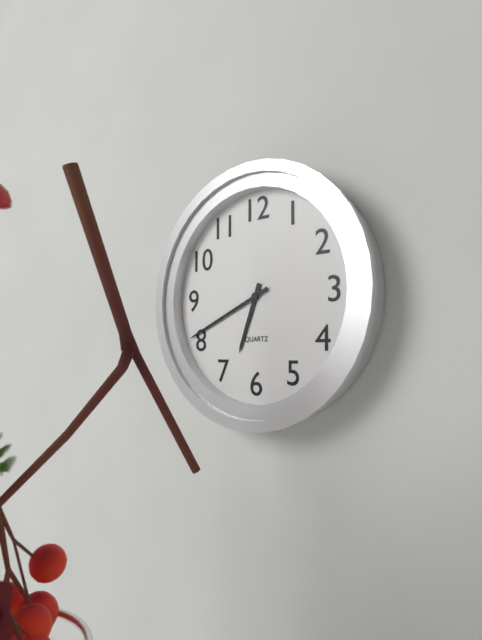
6:41
